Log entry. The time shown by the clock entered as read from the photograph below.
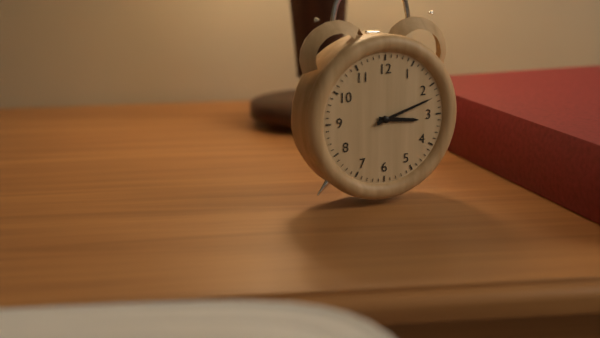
3:12
